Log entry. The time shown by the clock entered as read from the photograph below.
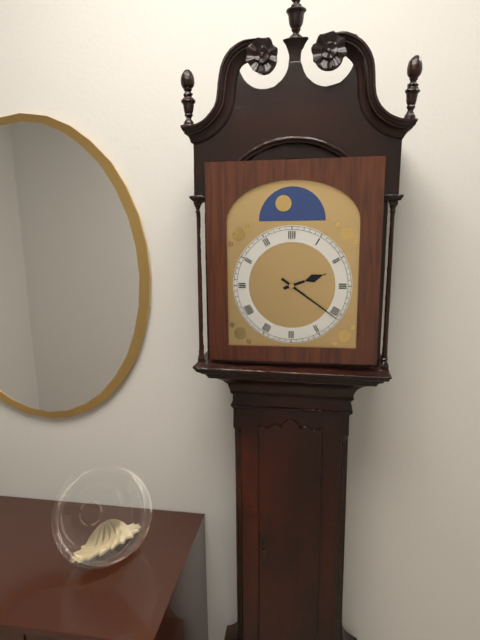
2:21
